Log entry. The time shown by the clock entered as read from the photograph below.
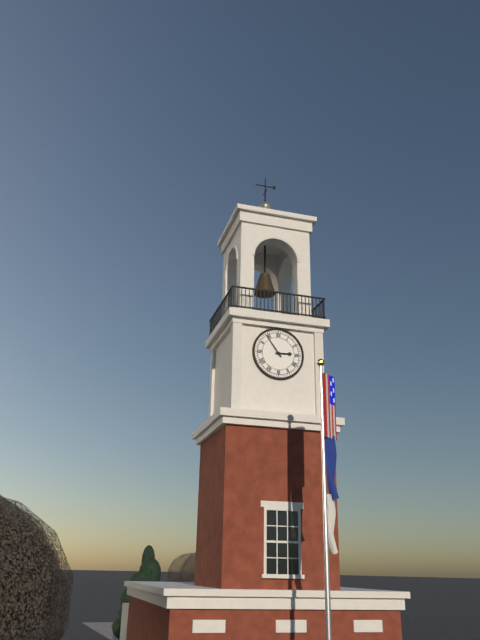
2:54
